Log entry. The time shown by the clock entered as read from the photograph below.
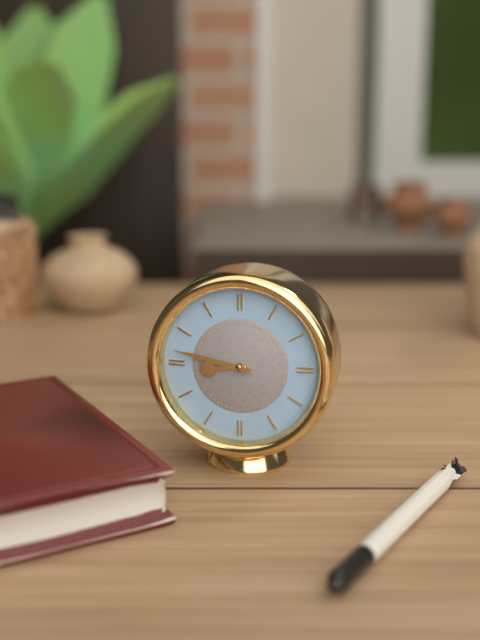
8:47
